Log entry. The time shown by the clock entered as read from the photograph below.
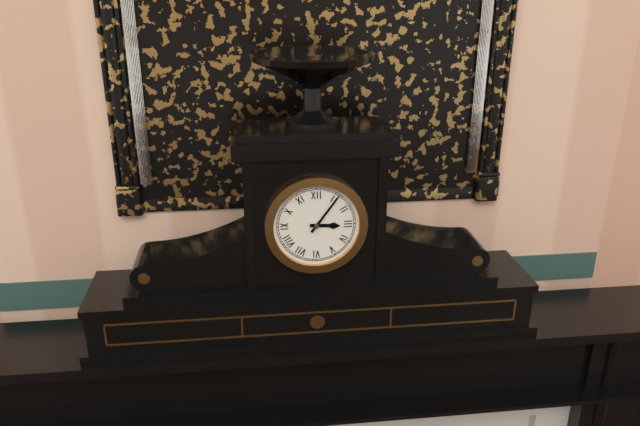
3:06
